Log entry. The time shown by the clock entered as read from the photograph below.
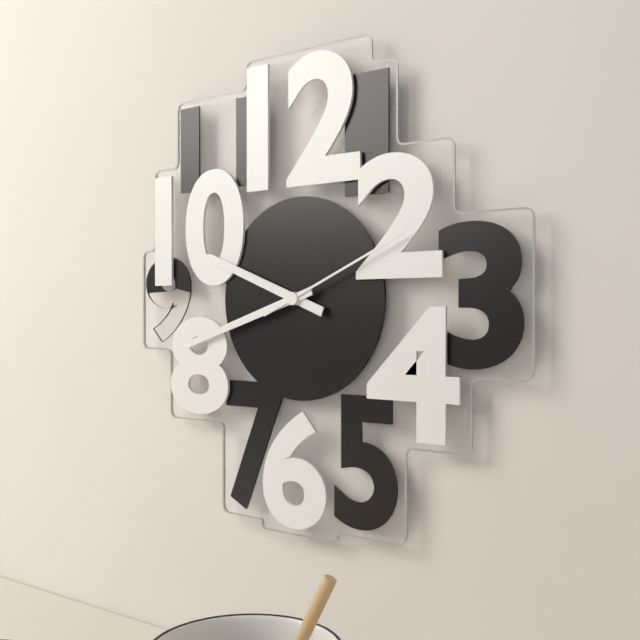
9:42:11
